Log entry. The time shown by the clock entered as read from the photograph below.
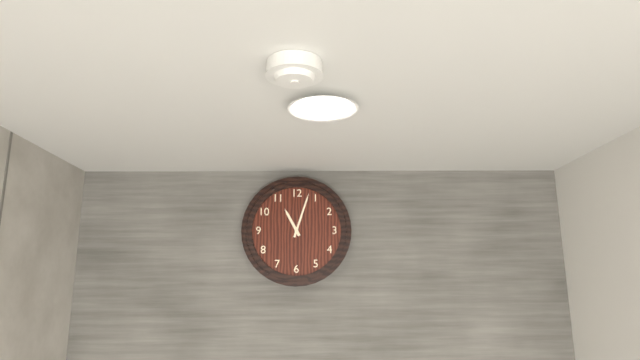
11:03
